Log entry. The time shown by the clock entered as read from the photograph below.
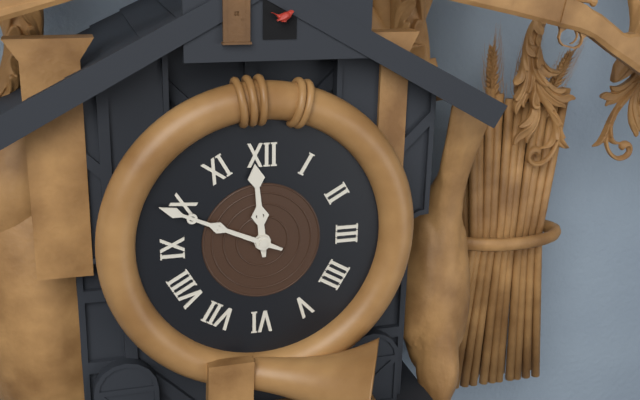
11:49
